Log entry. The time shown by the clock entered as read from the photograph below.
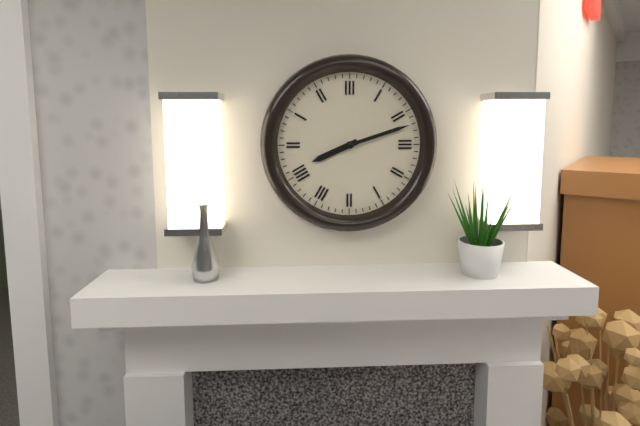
8:12
